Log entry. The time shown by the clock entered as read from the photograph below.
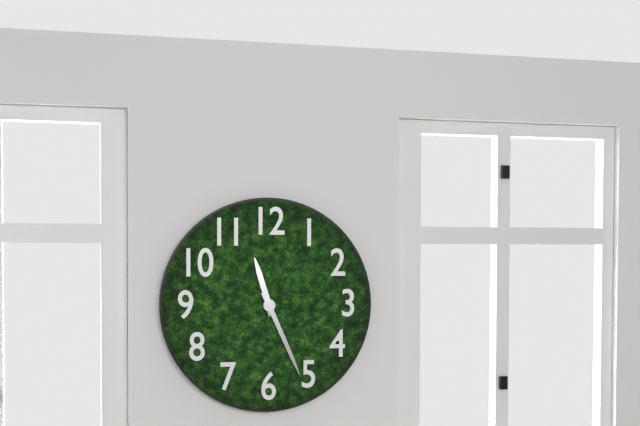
11:26
